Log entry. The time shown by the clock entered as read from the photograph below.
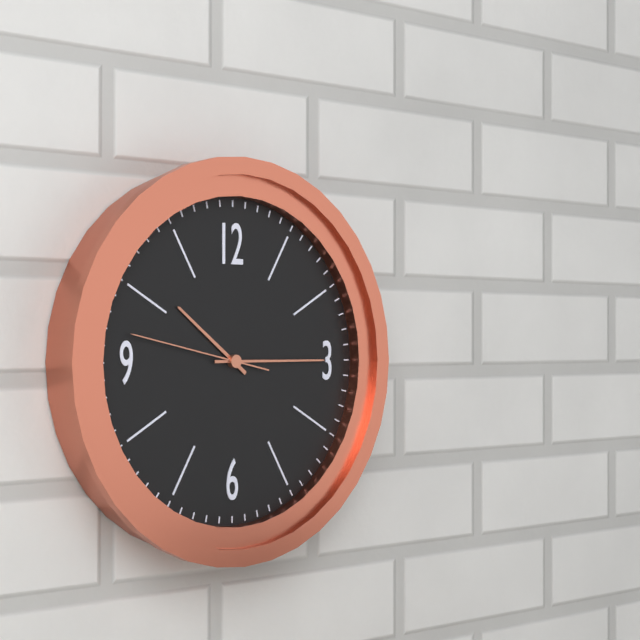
10:15:47
